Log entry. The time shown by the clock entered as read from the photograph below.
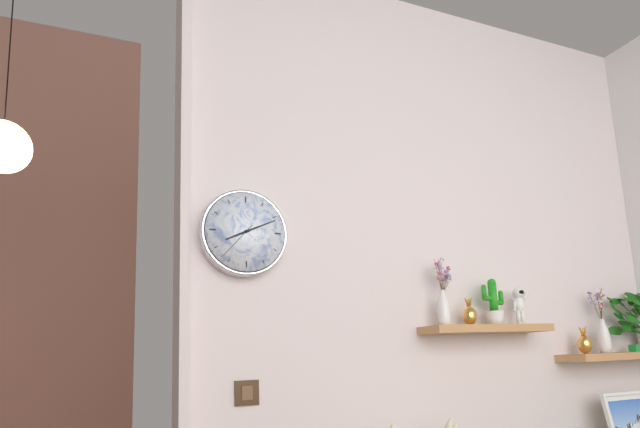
8:11
